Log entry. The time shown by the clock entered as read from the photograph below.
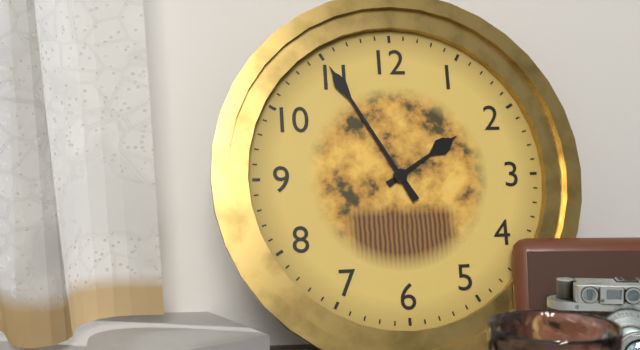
1:55
